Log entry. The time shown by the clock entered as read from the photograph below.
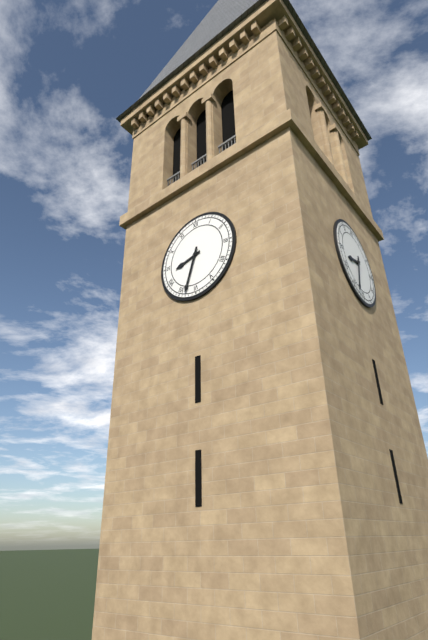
8:33
